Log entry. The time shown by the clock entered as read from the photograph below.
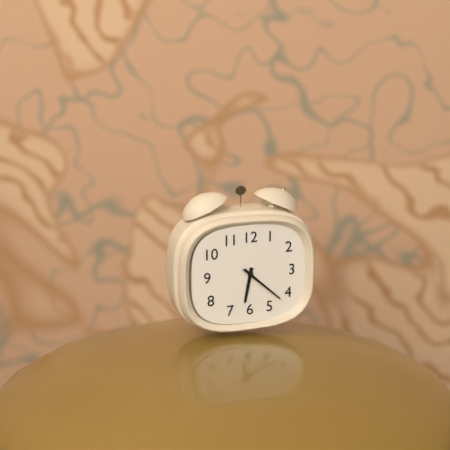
6:22
